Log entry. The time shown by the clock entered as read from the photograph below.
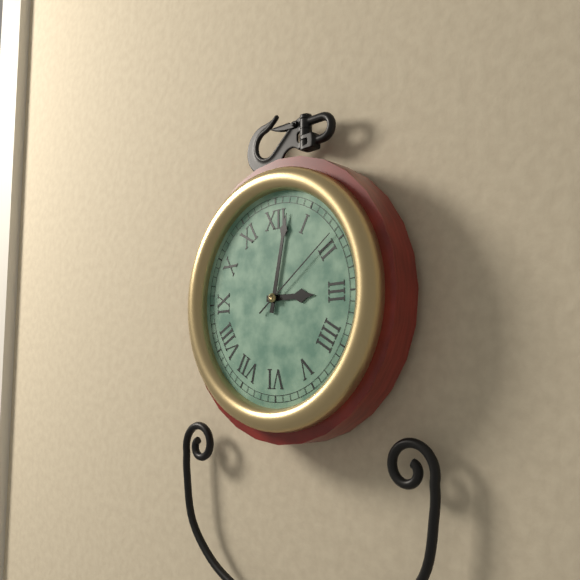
3:02:09
